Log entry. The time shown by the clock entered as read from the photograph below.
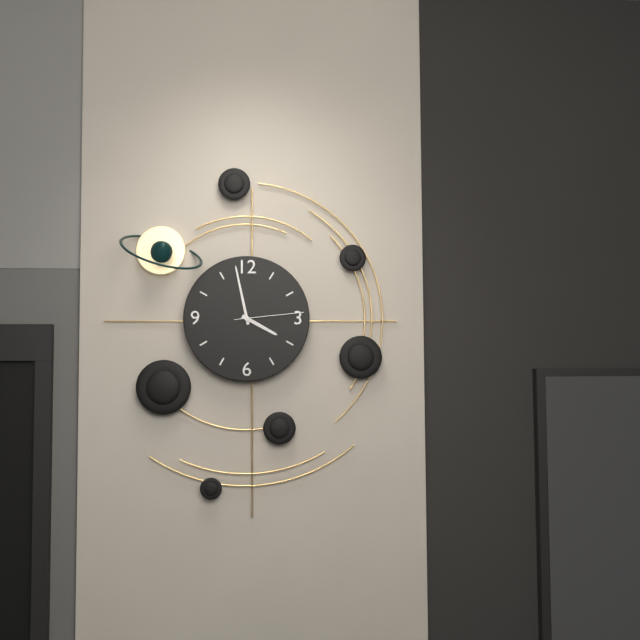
3:58:14
